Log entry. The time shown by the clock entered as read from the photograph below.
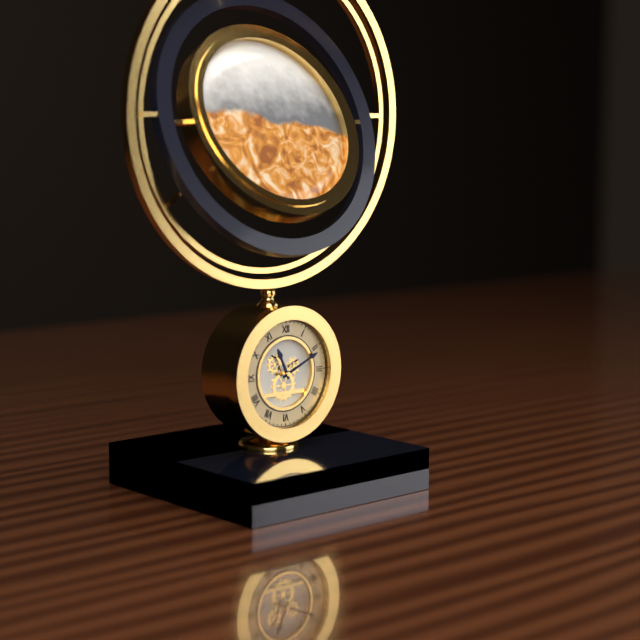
11:11
